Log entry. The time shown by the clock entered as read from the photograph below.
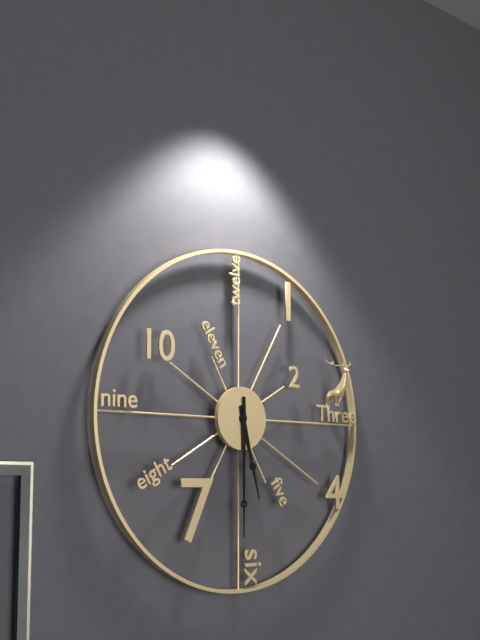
5:30
